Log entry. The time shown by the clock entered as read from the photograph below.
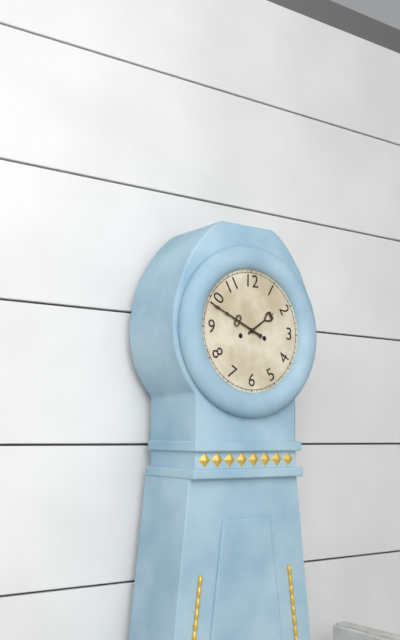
1:49
